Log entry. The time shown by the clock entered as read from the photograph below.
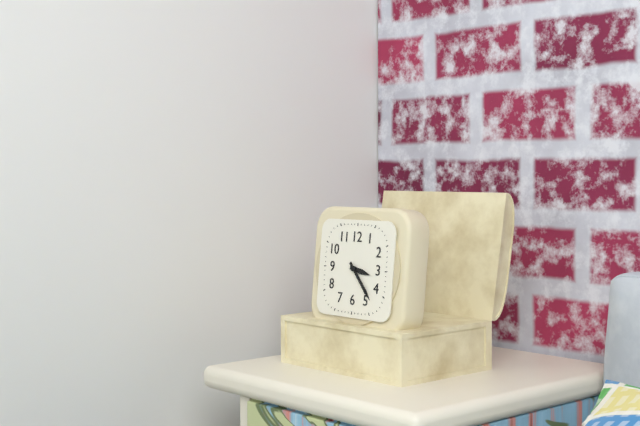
3:23
